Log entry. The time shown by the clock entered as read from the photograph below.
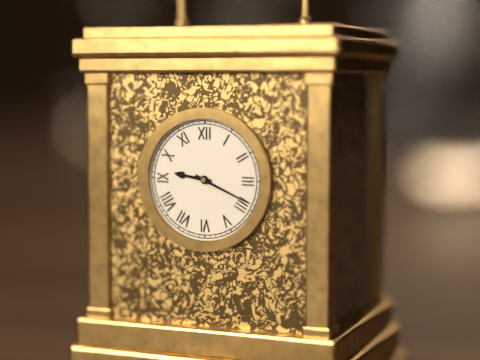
9:19
